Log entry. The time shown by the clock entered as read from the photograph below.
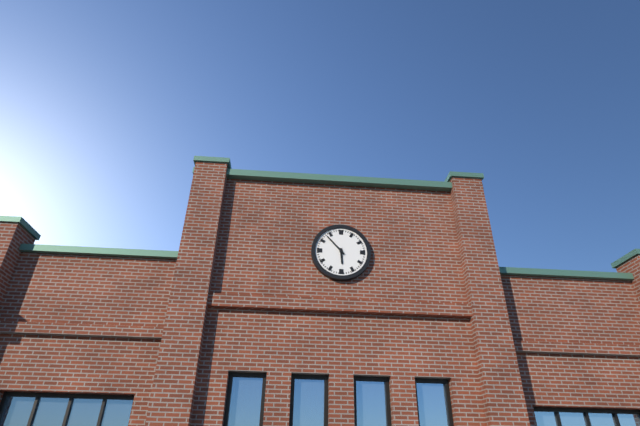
5:53
